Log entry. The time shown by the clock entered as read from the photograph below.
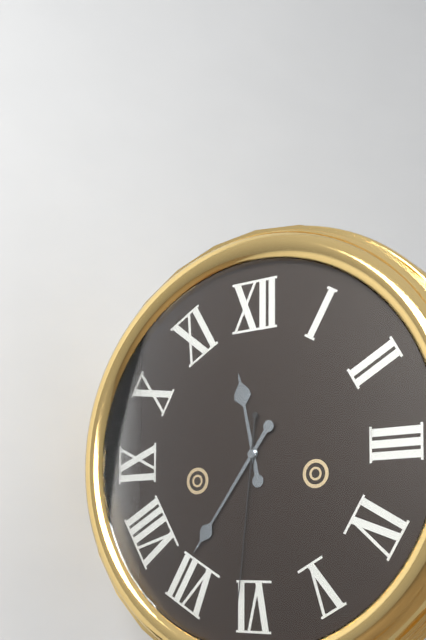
11:36:31
